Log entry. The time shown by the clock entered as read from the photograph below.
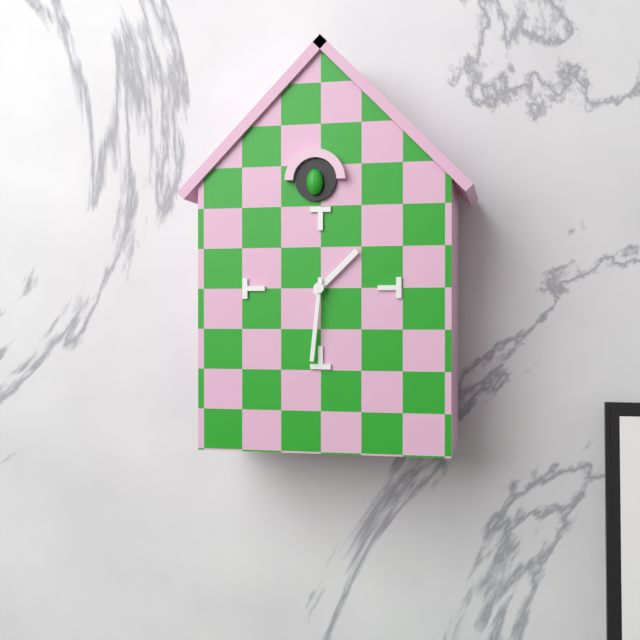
1:31
